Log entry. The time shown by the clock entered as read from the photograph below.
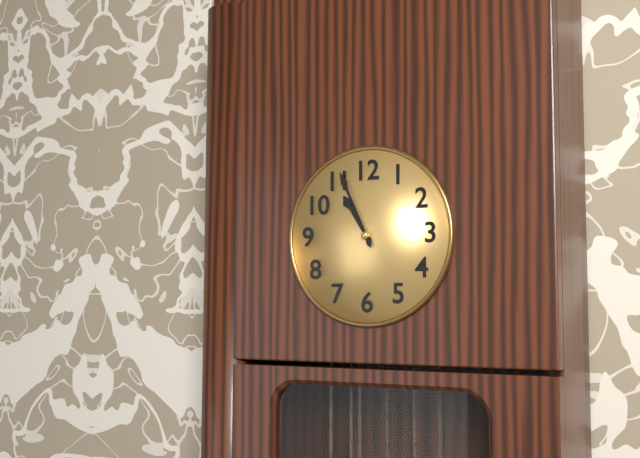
10:56
